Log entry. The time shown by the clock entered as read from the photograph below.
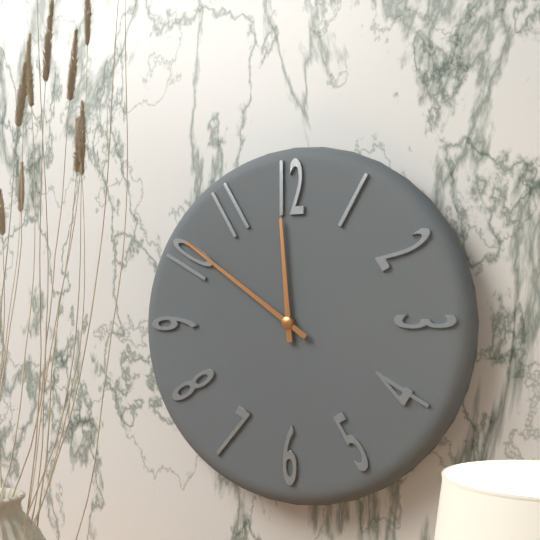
11:51
